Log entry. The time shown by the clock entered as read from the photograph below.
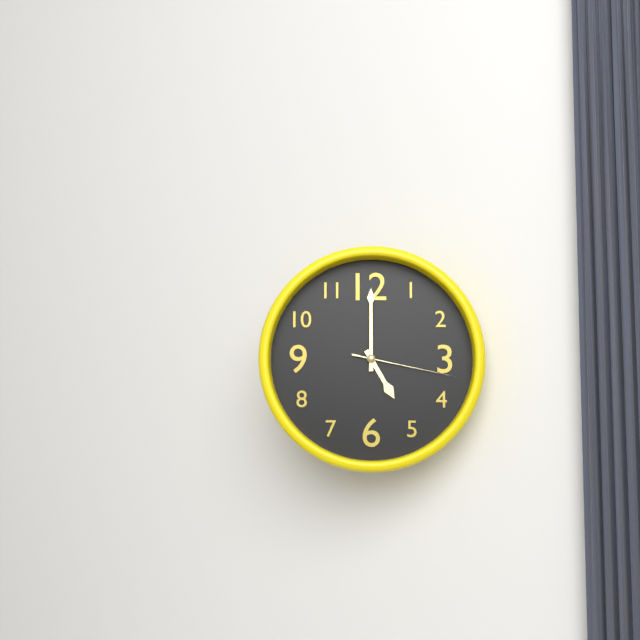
5:00:17
